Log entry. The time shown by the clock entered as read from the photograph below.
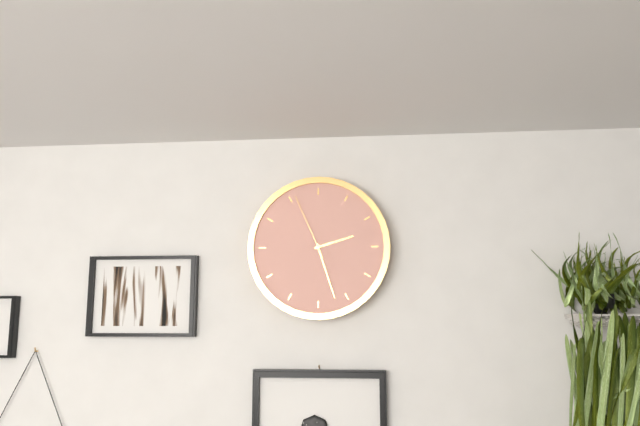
2:27:56
